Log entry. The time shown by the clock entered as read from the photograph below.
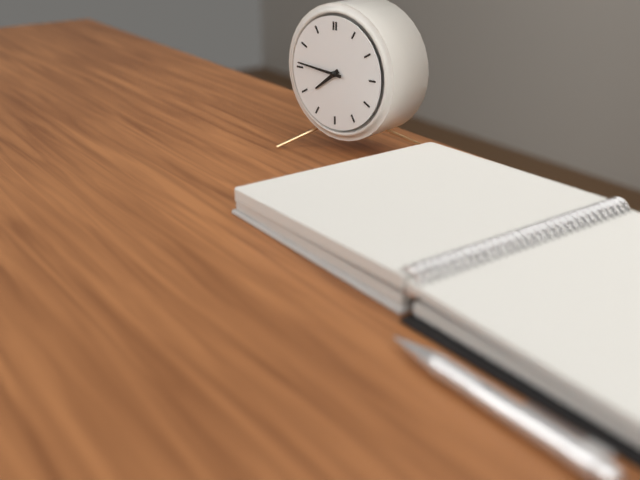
7:46
